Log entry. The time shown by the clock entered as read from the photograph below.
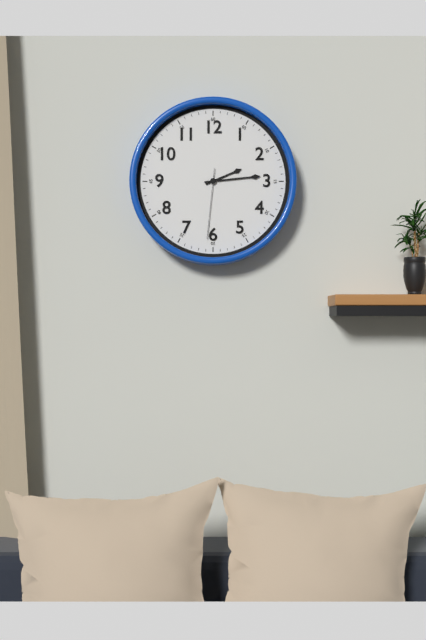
2:14:31
